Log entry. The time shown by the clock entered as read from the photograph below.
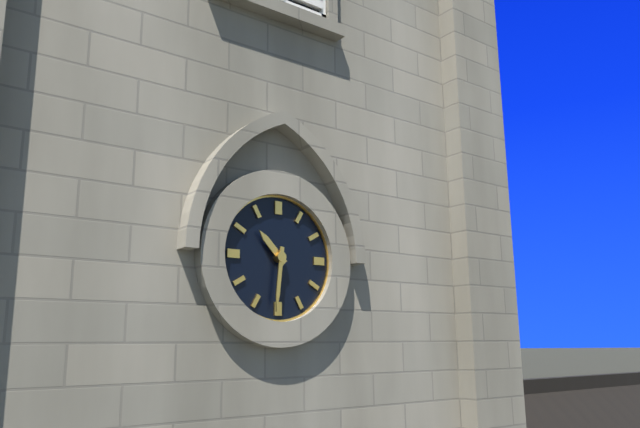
10:31
